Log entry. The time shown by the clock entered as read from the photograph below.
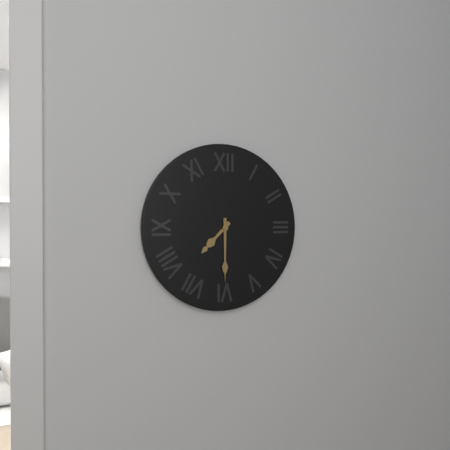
7:30
